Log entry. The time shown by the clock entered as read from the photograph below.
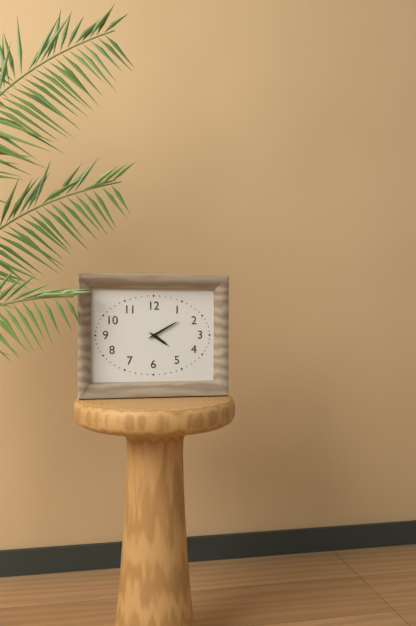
4:10
